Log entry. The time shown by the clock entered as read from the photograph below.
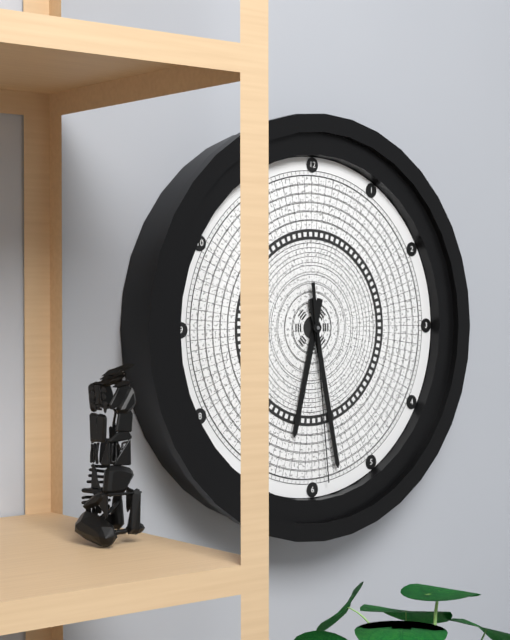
6:28:29
